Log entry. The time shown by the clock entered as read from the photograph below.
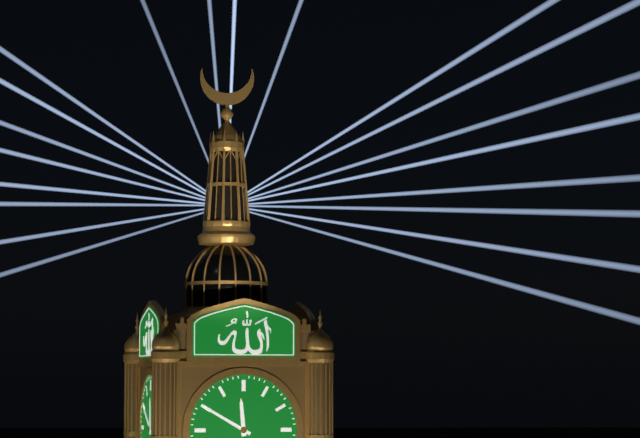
11:50
